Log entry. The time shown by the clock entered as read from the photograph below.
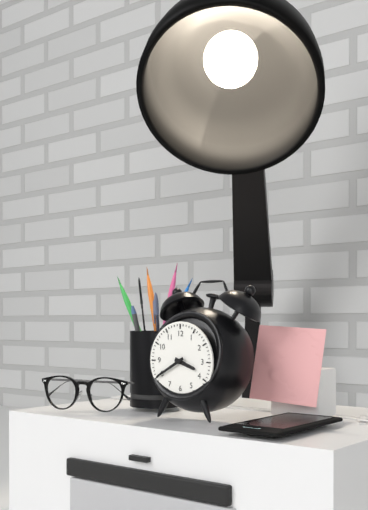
3:40
